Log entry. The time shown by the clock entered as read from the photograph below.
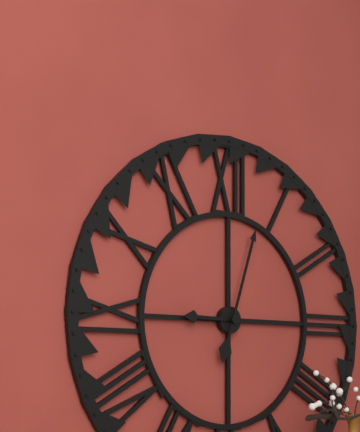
9:03
